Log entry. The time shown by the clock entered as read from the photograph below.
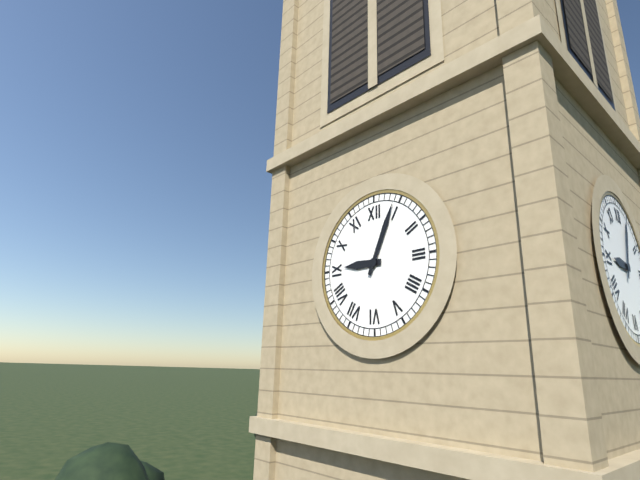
9:04
